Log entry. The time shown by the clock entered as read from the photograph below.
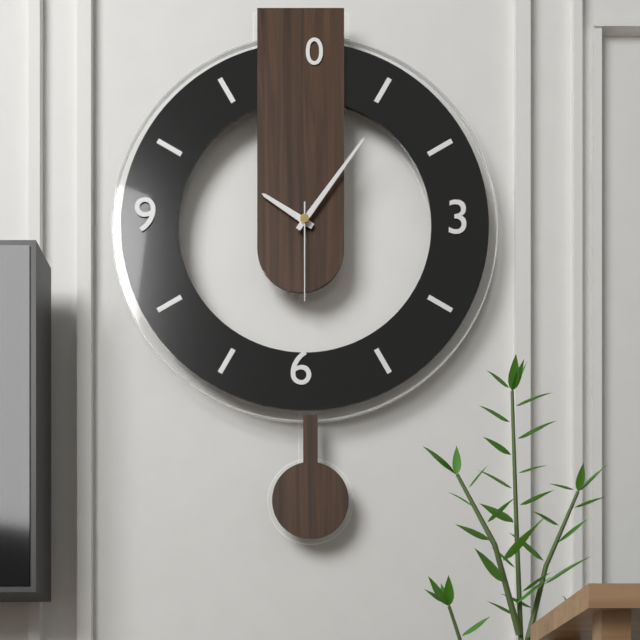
10:06:30
